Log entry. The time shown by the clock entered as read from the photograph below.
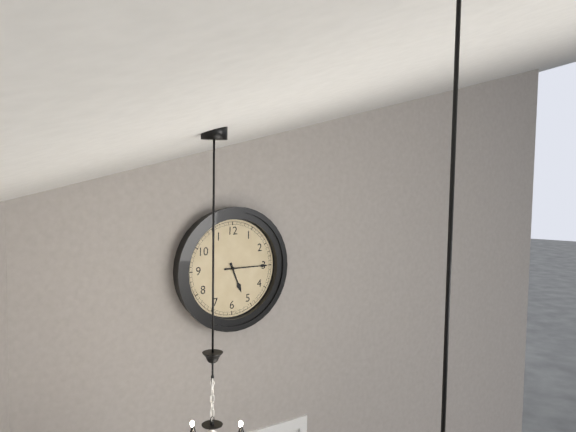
5:15
